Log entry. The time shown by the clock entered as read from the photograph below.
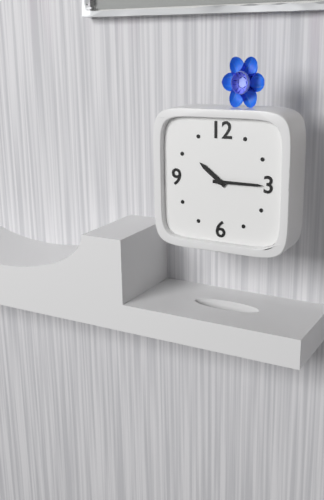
10:15
